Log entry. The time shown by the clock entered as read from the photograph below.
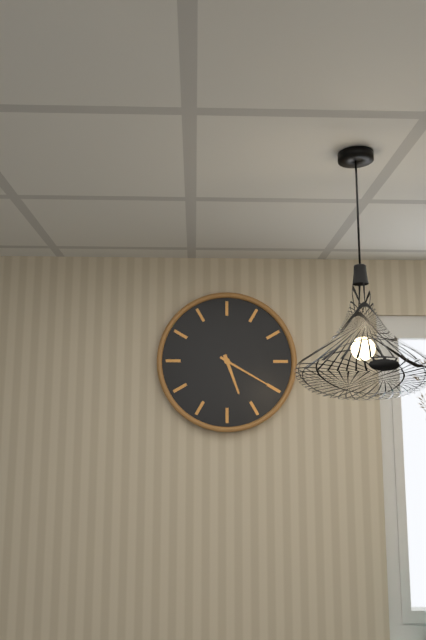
5:20
